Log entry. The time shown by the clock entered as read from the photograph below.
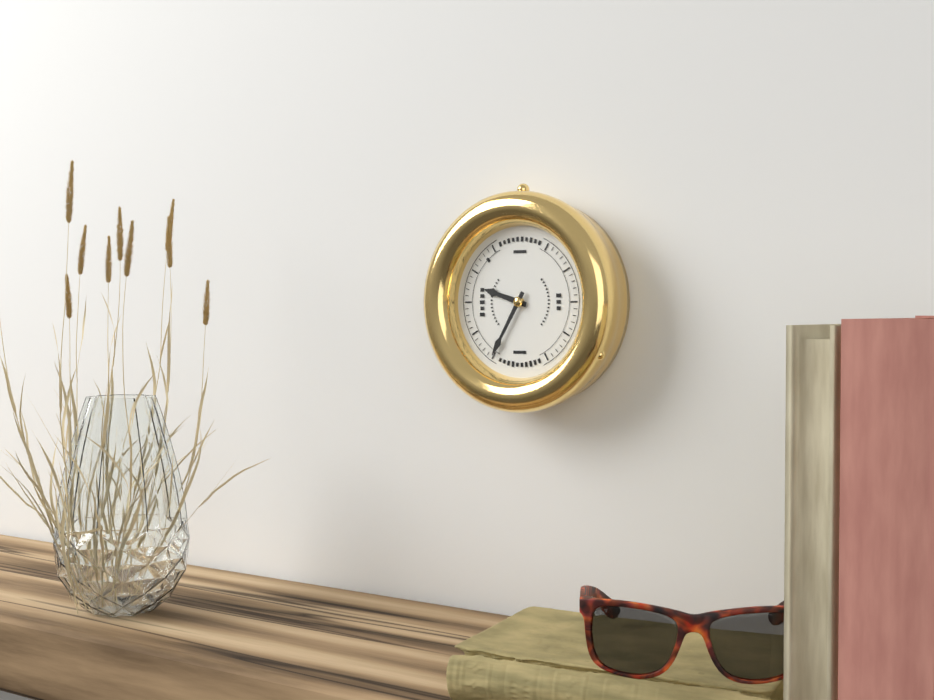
9:35
